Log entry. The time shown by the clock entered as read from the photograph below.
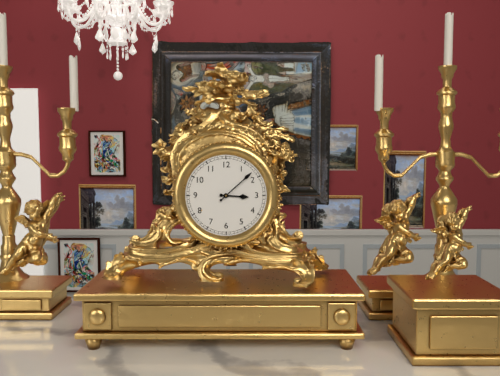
3:08
